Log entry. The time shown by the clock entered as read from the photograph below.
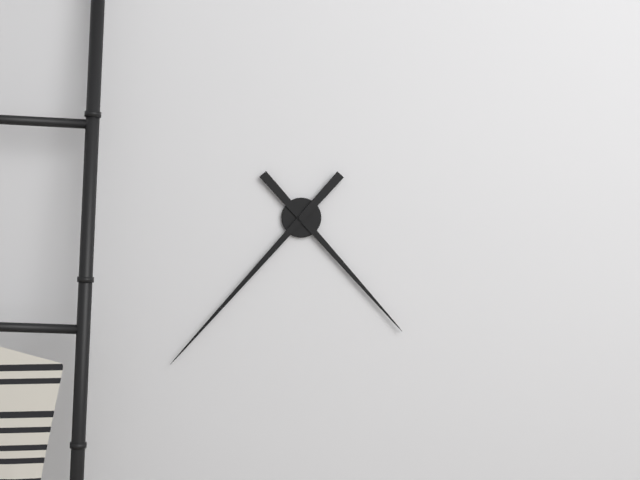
4:37
